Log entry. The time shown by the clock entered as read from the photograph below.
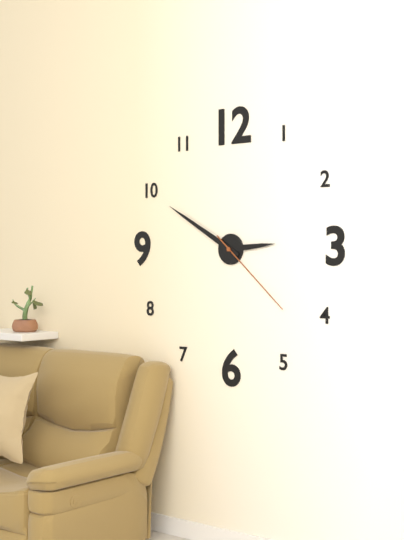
2:50:22
